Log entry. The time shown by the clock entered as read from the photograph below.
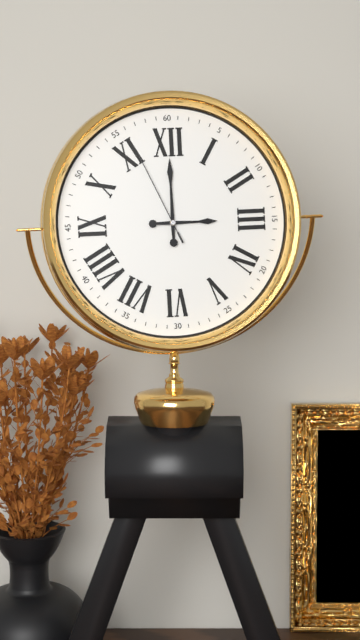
3:00:56
